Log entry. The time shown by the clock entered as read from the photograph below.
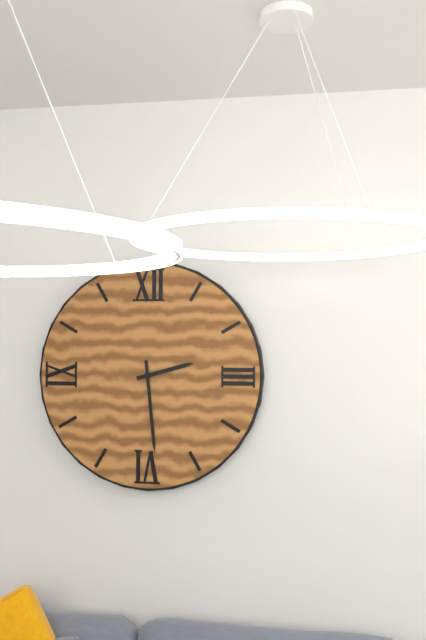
2:29
